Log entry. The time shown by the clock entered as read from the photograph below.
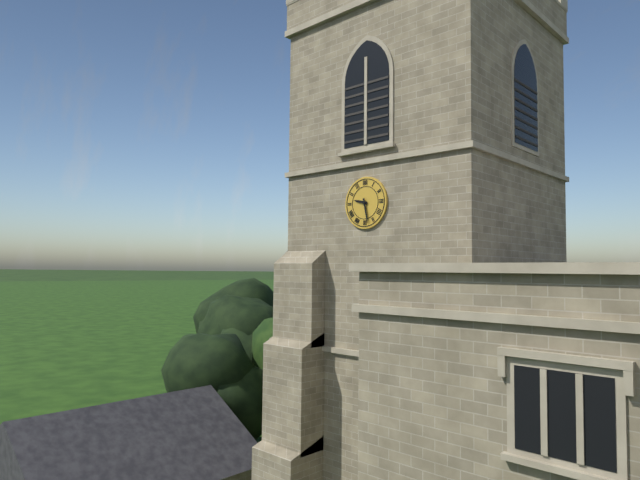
9:28
